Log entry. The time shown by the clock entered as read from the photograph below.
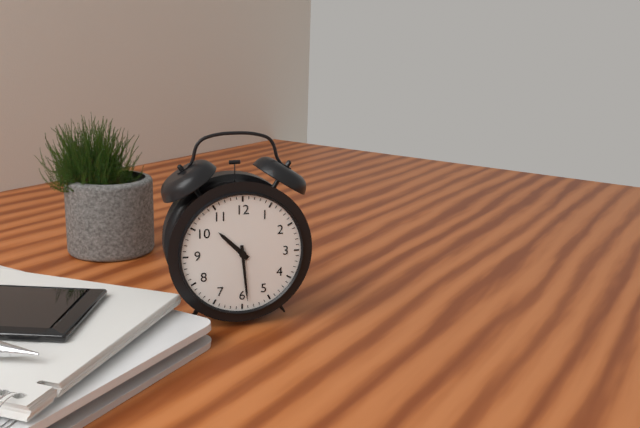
10:29
